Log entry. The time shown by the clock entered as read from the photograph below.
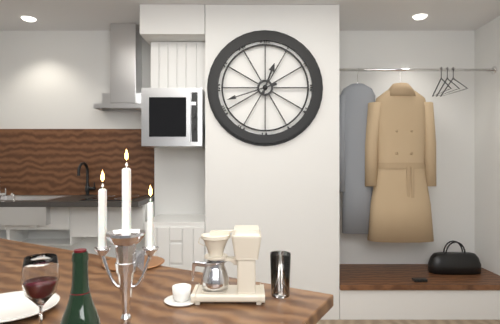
12:42
